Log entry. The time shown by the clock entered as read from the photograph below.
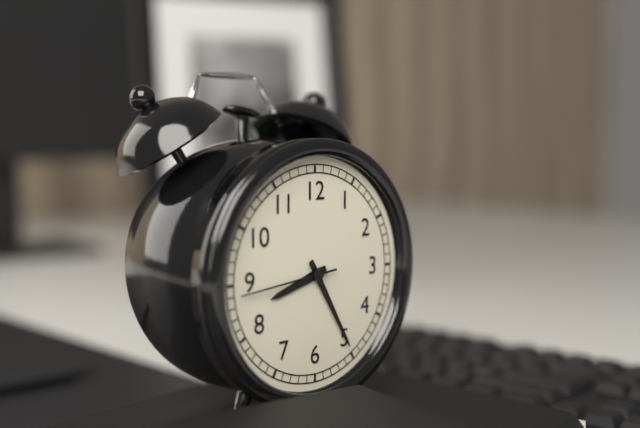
8:25:44
